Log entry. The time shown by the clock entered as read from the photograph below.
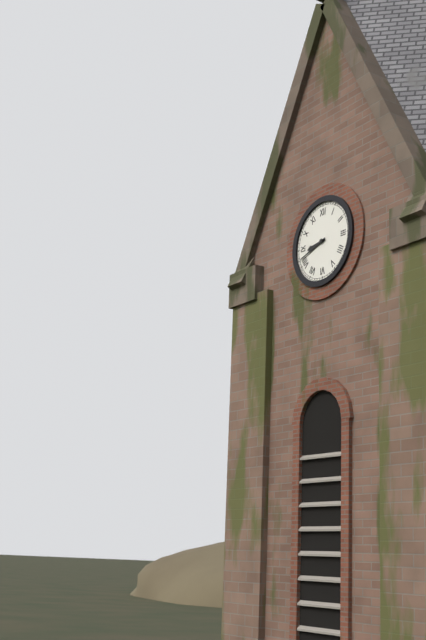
8:42
